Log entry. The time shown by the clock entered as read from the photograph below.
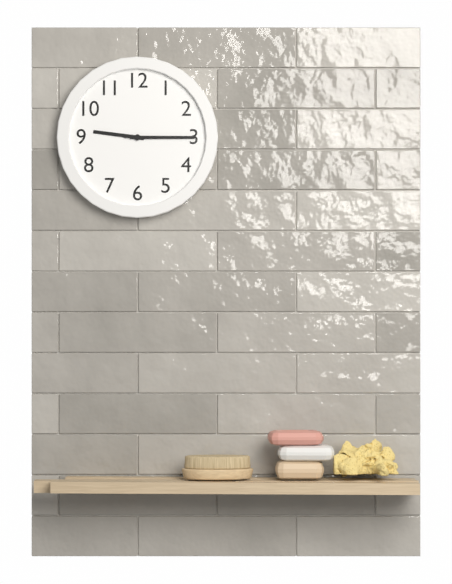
9:15:15
